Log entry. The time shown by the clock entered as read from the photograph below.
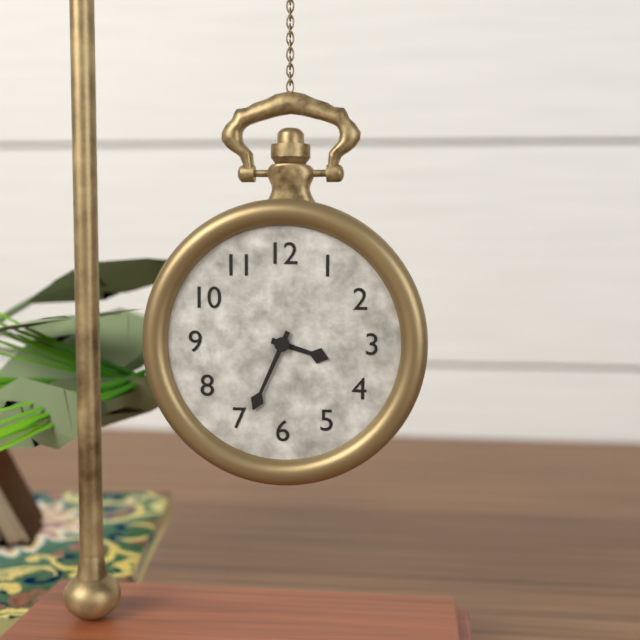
3:34
